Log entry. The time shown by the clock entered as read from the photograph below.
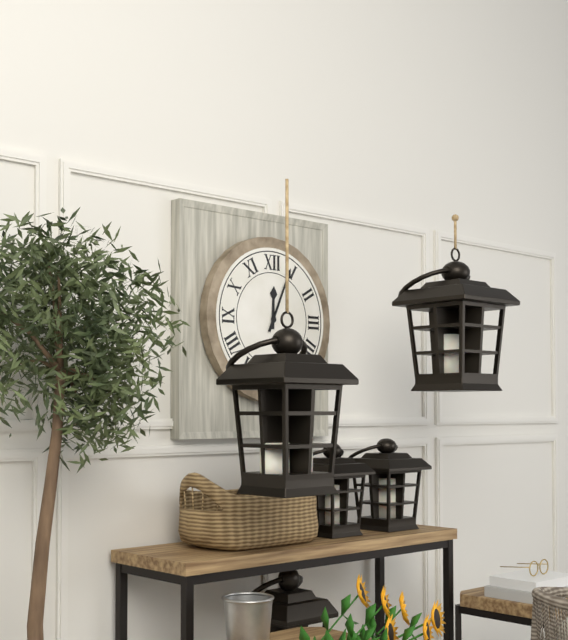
12:04
